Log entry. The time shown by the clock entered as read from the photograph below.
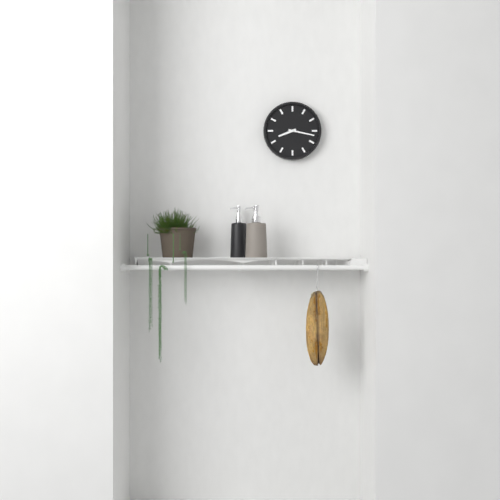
8:17
